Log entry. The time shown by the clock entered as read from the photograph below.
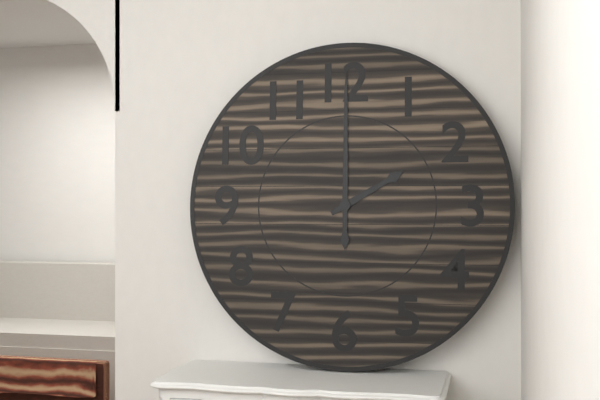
2:00
